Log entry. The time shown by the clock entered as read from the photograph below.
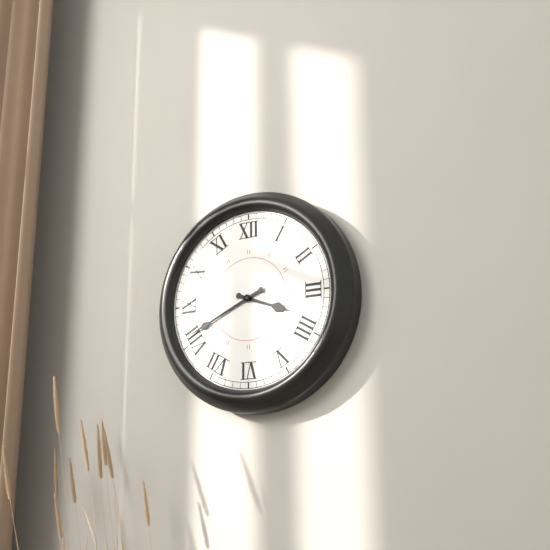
3:41
